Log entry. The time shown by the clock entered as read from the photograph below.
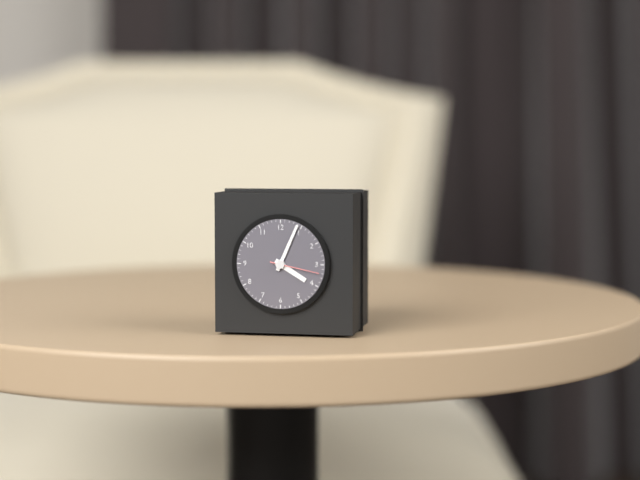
4:04
